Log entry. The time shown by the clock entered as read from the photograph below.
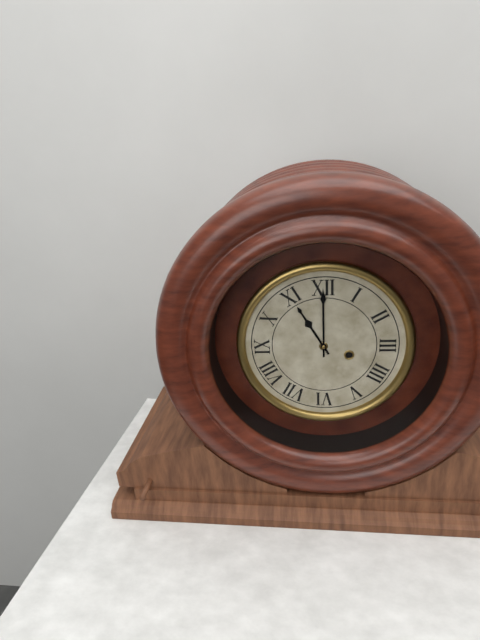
11:00
